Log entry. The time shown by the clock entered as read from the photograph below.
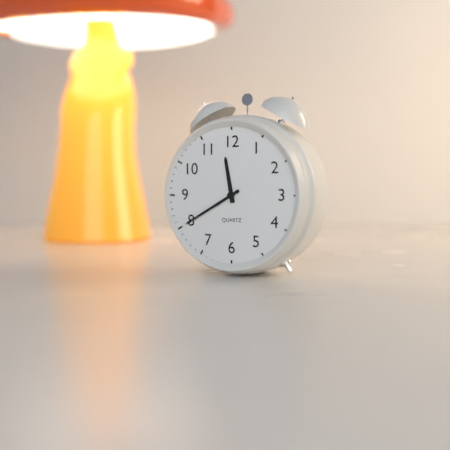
11:40
